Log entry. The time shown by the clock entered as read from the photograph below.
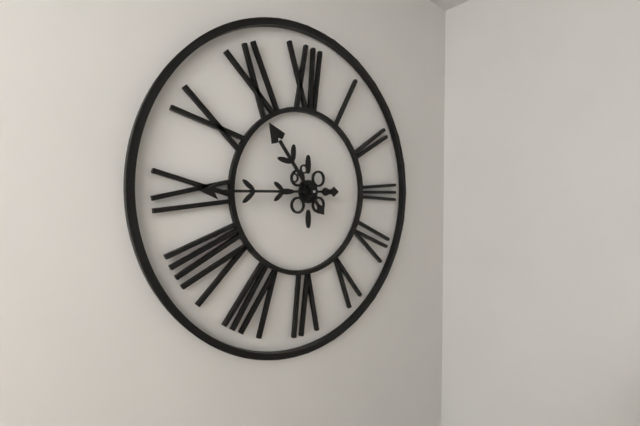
10:45
